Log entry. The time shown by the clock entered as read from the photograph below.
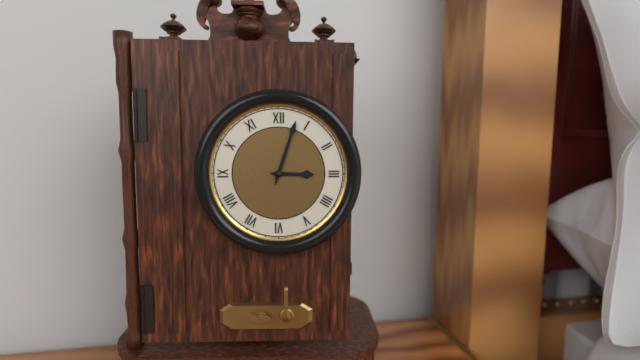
3:03
